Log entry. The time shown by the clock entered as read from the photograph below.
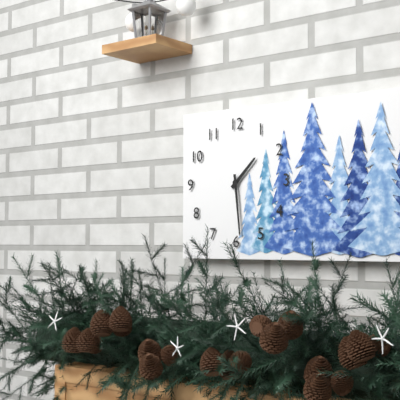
1:29
